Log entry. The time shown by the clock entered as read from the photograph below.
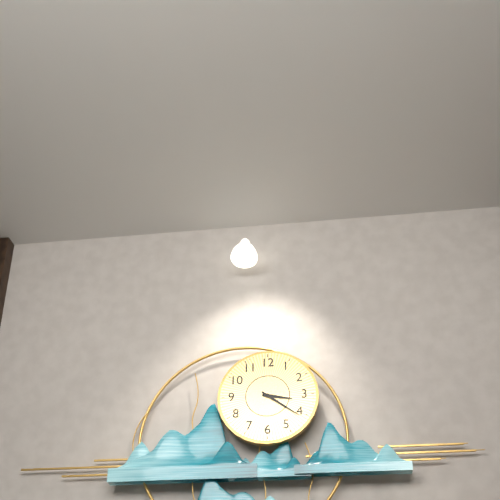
3:21
